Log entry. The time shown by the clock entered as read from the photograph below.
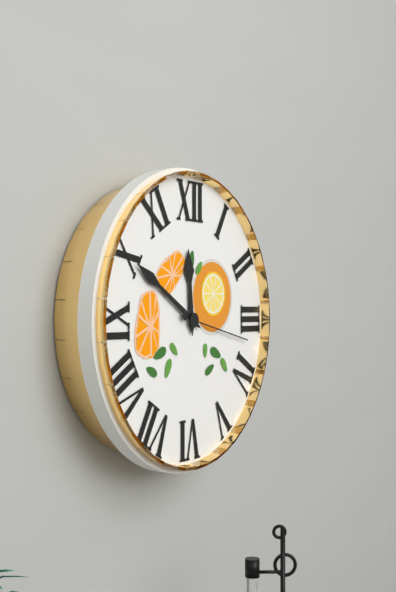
11:50:17
